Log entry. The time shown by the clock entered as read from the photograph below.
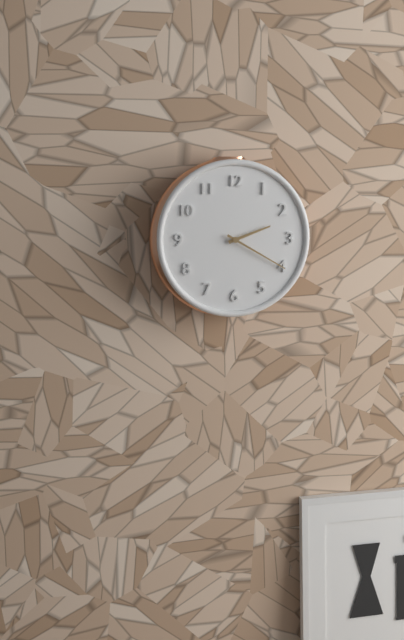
2:20
